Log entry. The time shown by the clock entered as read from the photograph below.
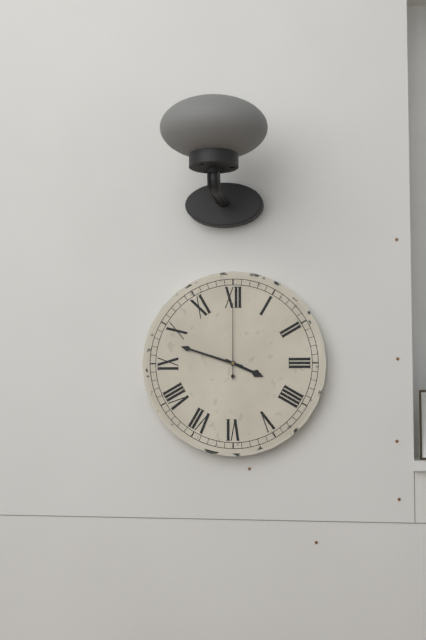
3:48:00
